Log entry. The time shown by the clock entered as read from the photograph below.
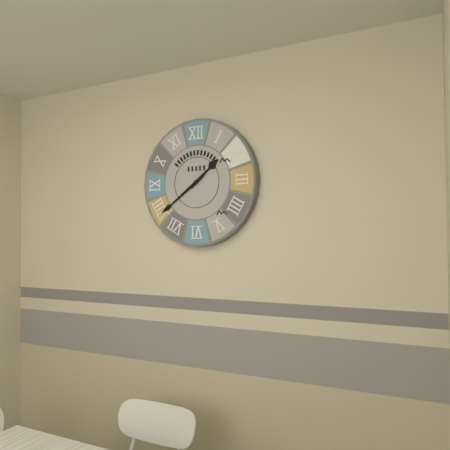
1:39
